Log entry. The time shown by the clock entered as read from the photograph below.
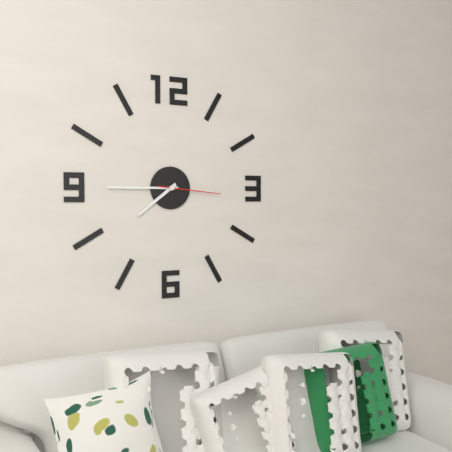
7:45:16
